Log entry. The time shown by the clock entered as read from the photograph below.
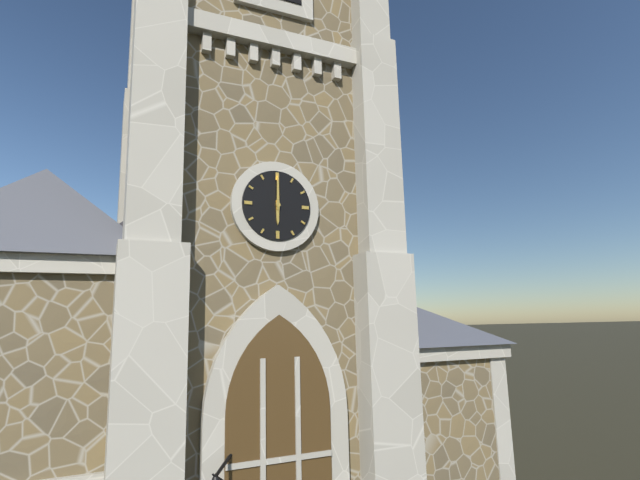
6:00
